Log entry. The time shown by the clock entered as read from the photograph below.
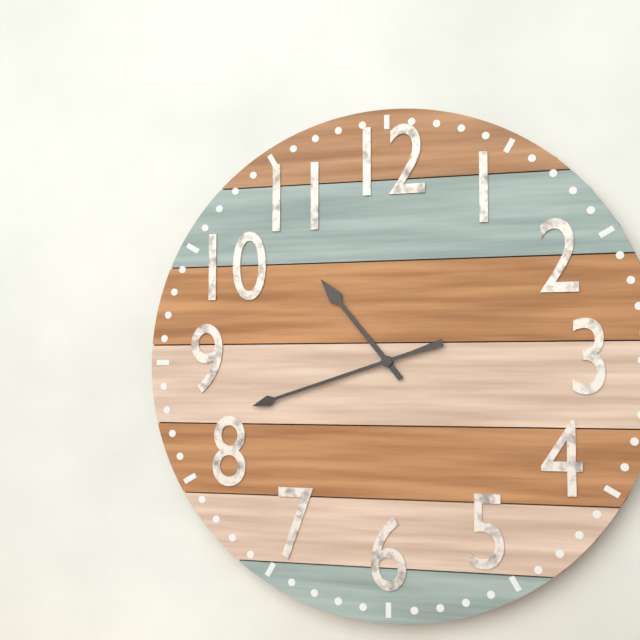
10:42
